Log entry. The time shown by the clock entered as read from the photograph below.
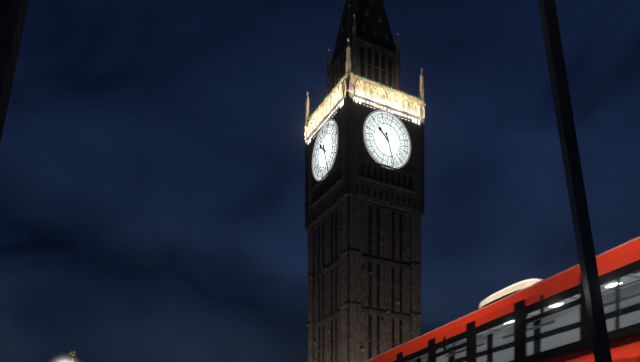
10:27
